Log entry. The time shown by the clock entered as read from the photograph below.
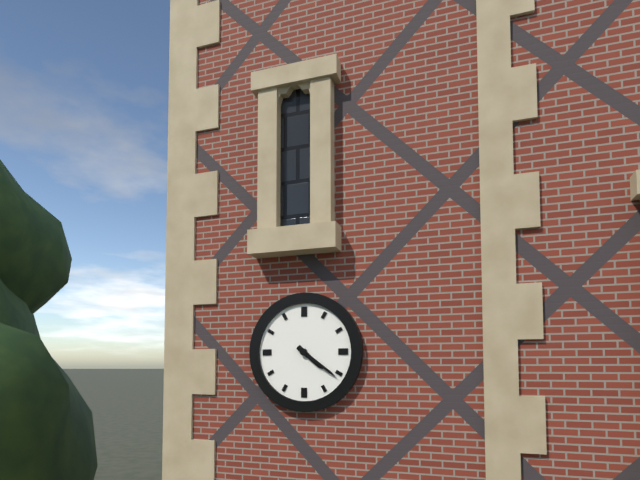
4:21
